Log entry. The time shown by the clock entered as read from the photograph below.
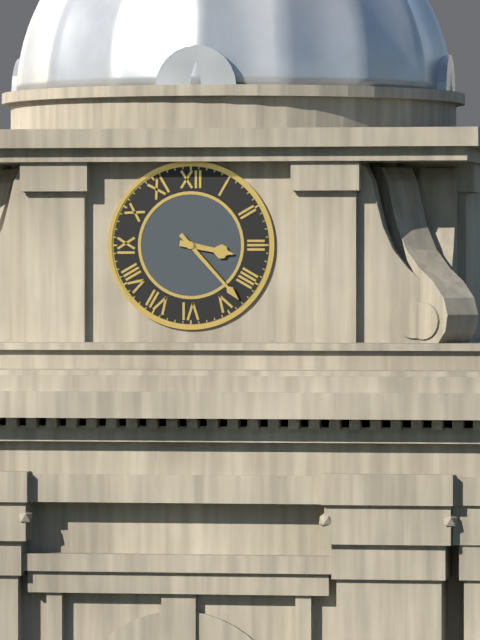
3:23
